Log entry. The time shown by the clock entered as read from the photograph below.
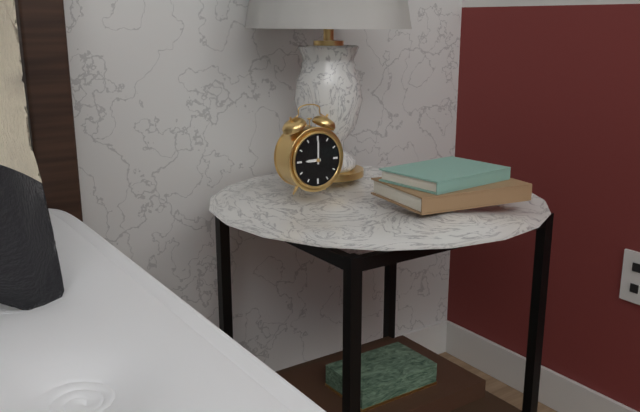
9:00
